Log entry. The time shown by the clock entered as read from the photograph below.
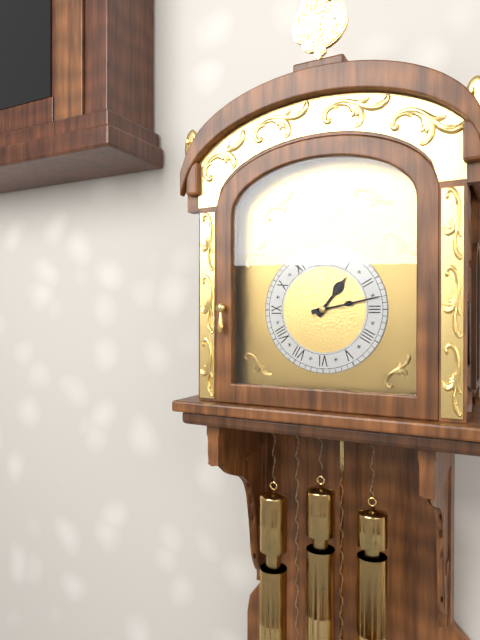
1:13
